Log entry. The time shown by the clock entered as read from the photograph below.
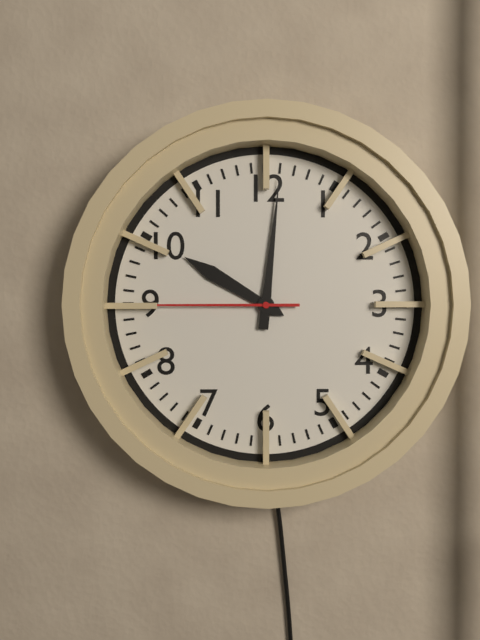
10:01:45
